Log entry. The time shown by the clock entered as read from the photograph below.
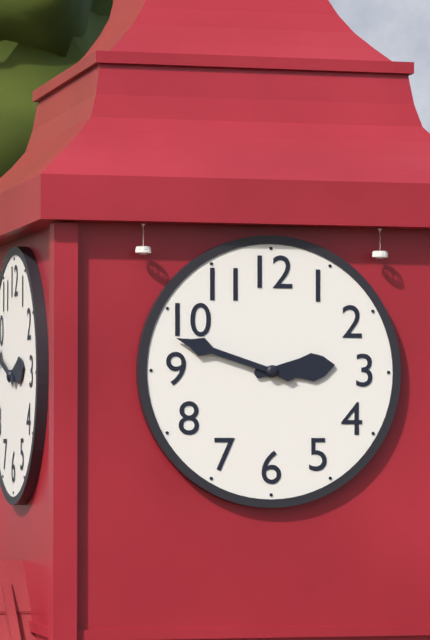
2:48
